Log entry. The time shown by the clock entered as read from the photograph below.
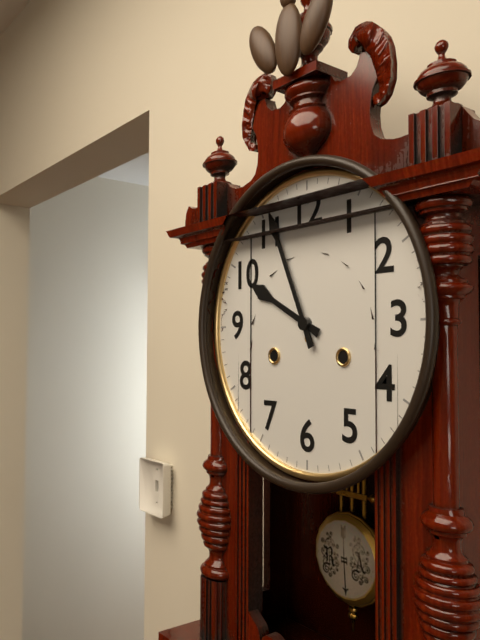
9:56
